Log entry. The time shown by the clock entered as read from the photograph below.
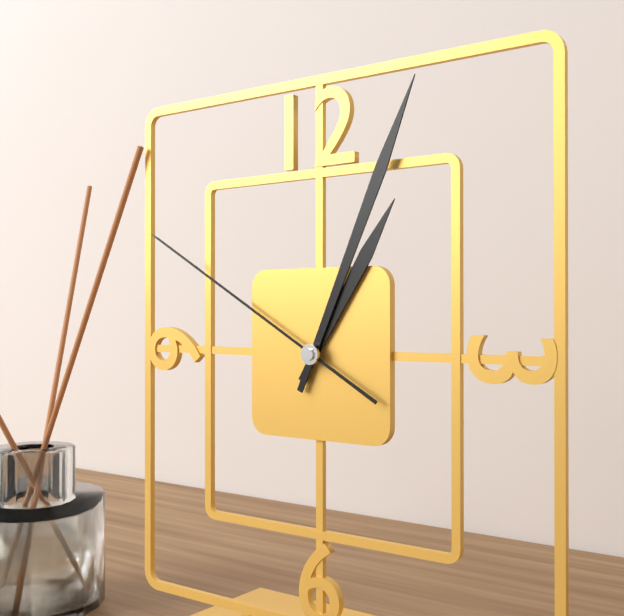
1:04:50
